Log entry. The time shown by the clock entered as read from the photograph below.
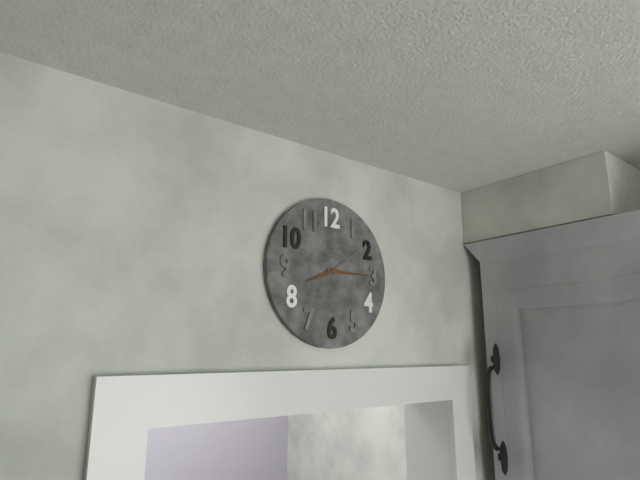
8:15:09
